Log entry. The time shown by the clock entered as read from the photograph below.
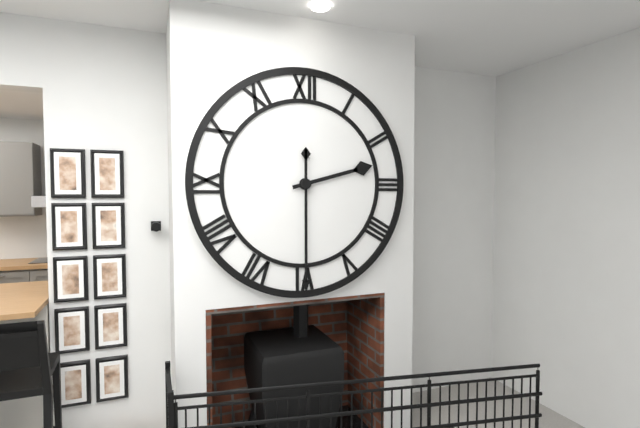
2:30
